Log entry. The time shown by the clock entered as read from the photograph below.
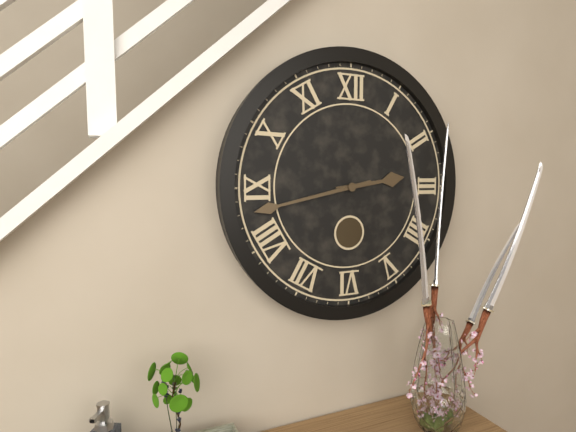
2:43
